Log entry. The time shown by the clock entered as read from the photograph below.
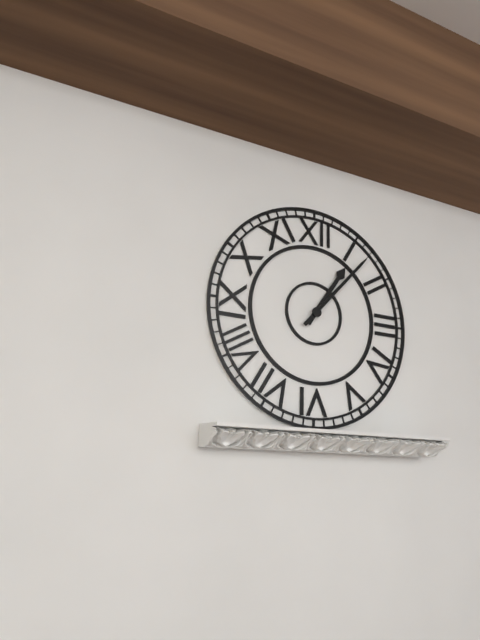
1:07
